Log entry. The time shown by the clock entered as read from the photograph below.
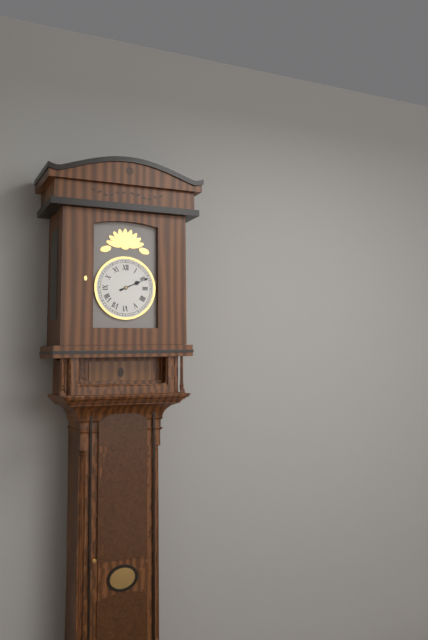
2:11
